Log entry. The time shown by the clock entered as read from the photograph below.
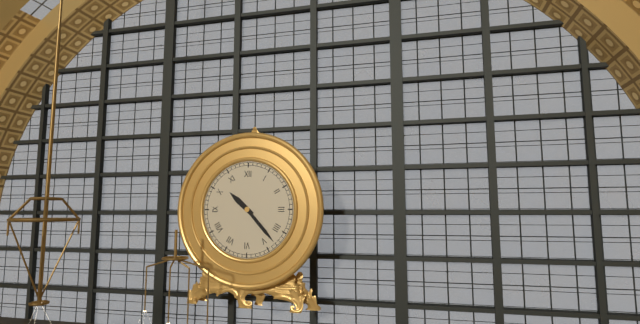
10:23
